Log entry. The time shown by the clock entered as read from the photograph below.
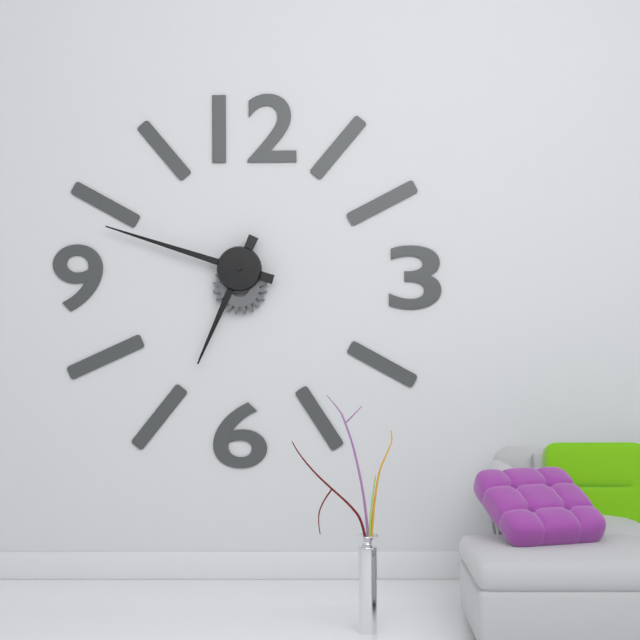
6:48
